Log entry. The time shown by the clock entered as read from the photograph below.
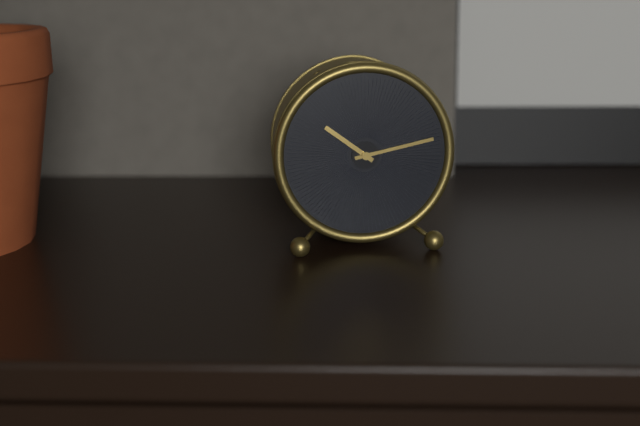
10:13
